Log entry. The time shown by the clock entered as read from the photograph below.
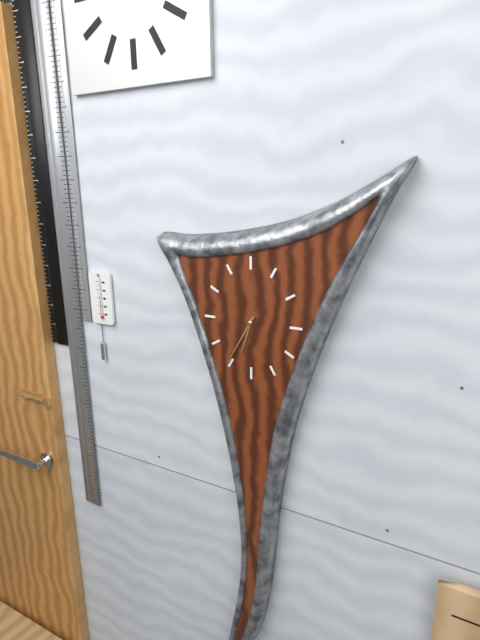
6:35
